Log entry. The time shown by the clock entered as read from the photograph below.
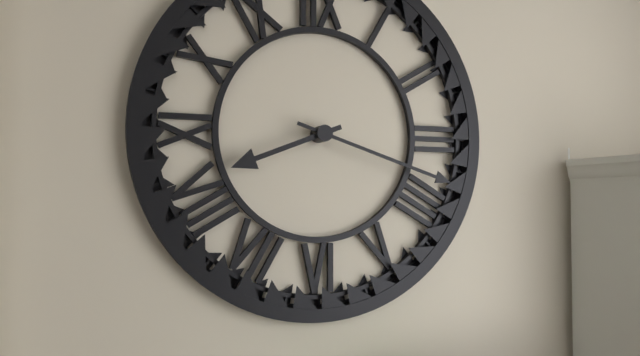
8:18
